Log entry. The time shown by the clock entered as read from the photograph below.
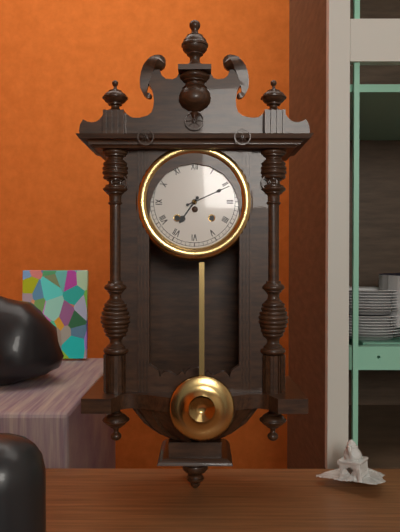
7:11
